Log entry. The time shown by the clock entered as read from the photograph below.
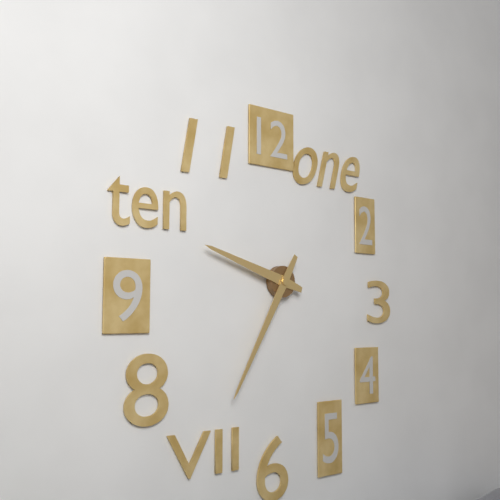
9:35
